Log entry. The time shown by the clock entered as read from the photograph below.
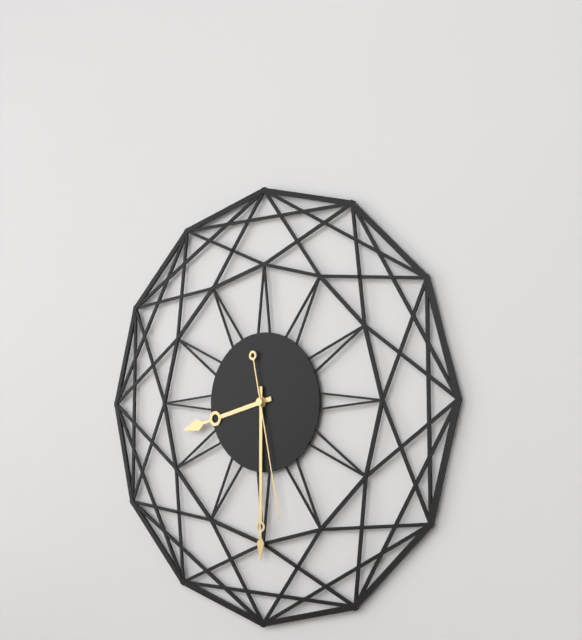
8:30:28
